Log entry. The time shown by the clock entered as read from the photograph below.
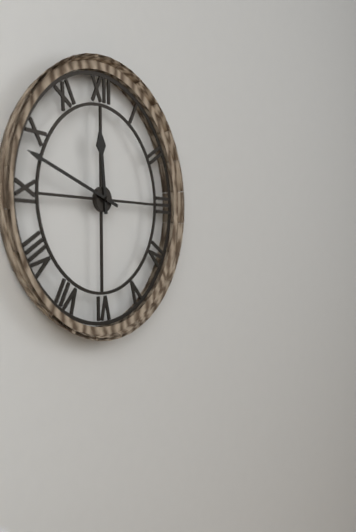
11:48
